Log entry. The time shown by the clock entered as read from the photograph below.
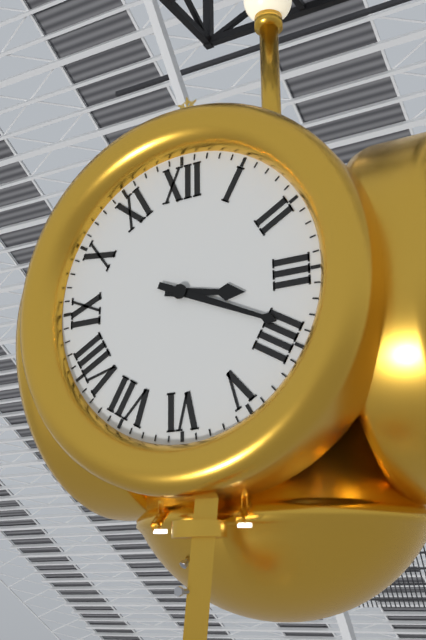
3:19
